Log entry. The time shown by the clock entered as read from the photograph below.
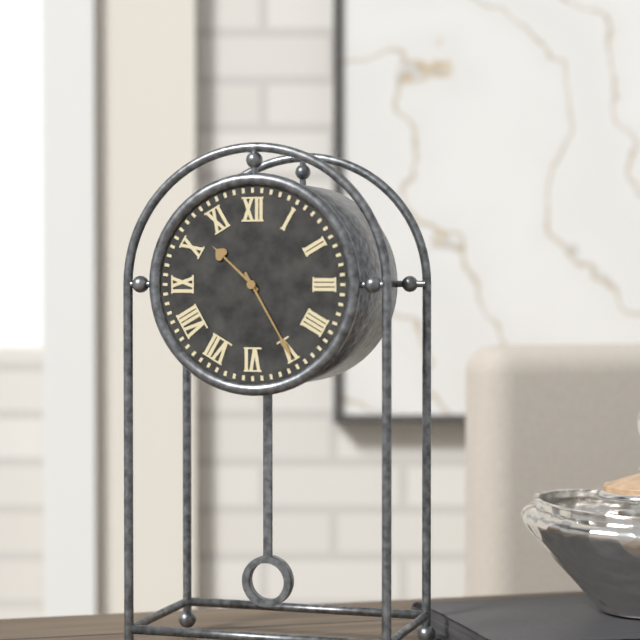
10:25
